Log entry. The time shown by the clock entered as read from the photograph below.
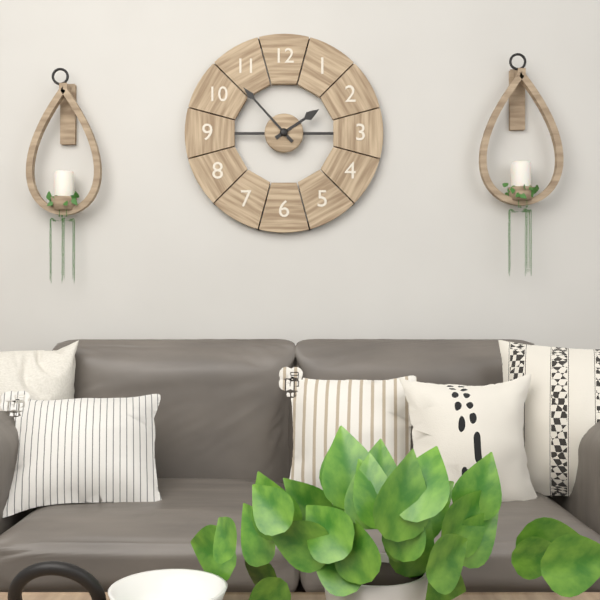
1:53
